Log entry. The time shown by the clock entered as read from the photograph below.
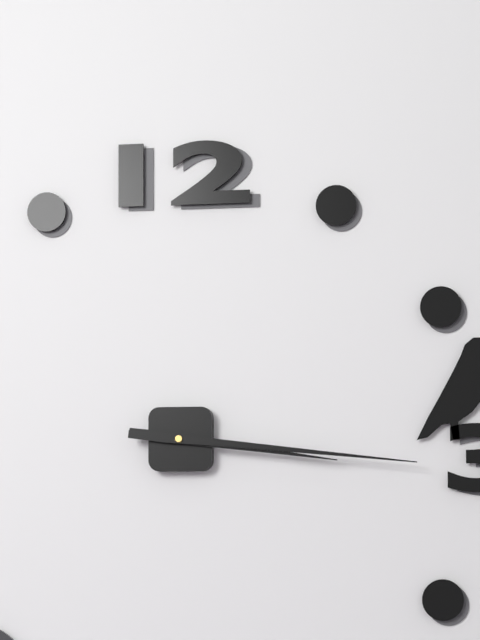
3:16
